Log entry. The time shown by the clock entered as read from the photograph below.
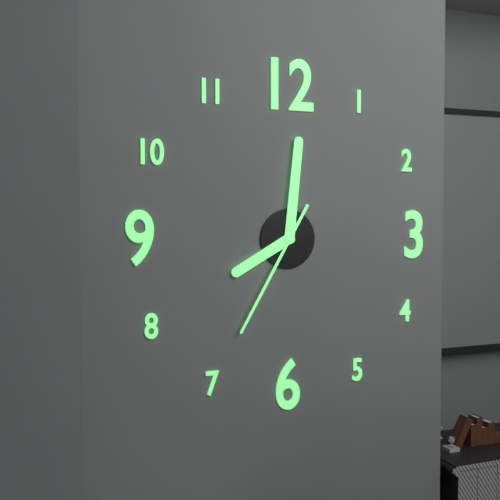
8:01:35
